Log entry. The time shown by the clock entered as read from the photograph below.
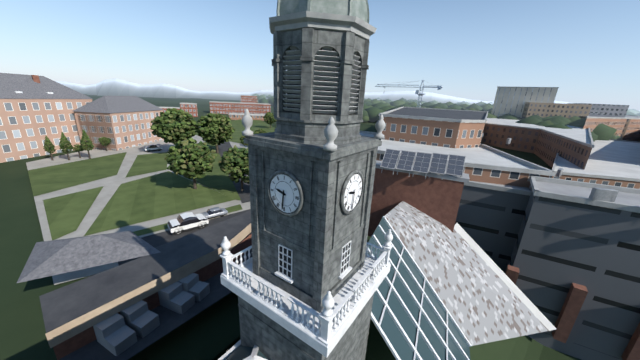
9:31
